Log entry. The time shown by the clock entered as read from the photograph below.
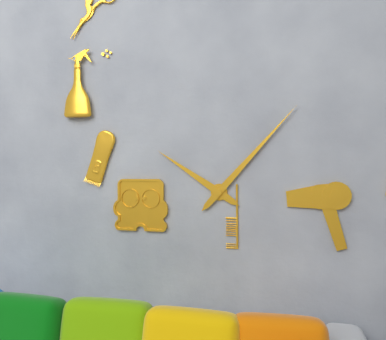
10:07
